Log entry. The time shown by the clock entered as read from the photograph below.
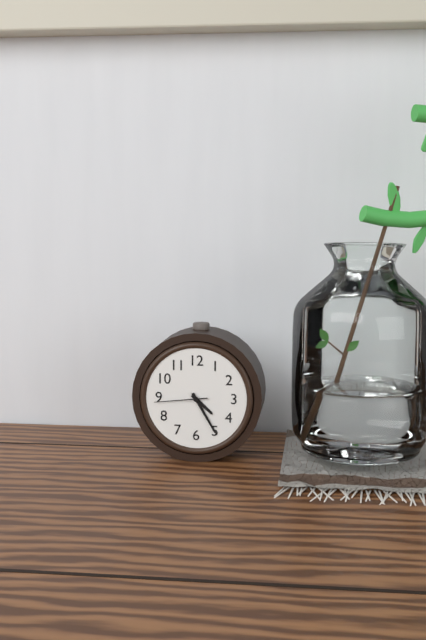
4:25:44
